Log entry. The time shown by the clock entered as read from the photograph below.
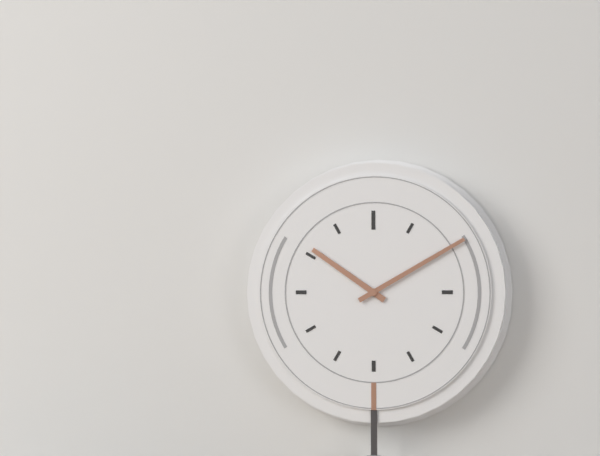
10:10
